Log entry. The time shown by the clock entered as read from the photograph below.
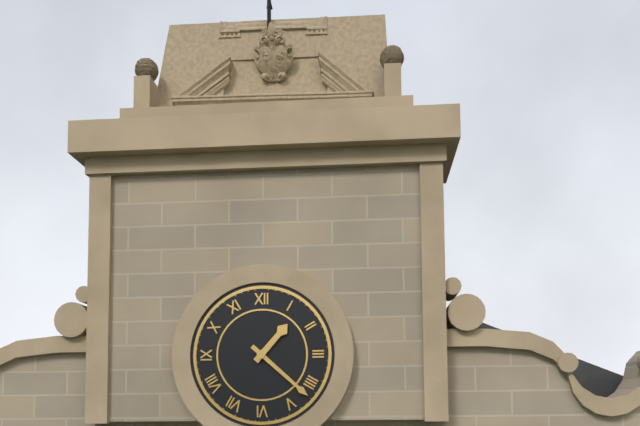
1:22
